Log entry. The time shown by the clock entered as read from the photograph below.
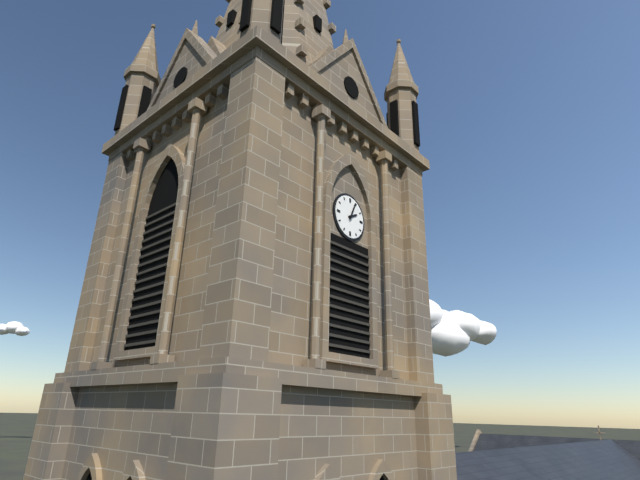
2:04
